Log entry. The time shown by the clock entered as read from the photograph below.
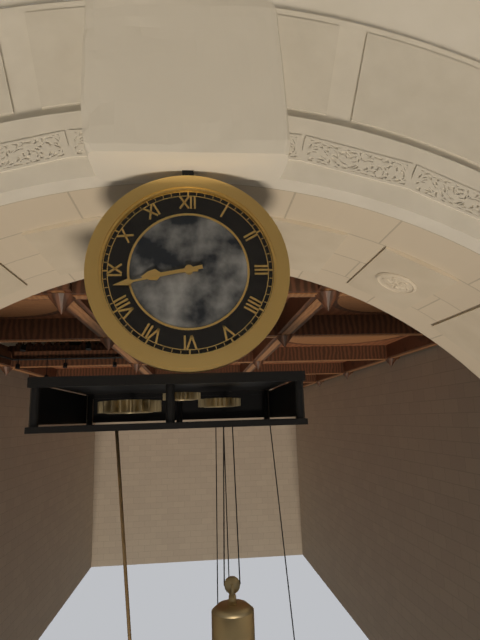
8:43
